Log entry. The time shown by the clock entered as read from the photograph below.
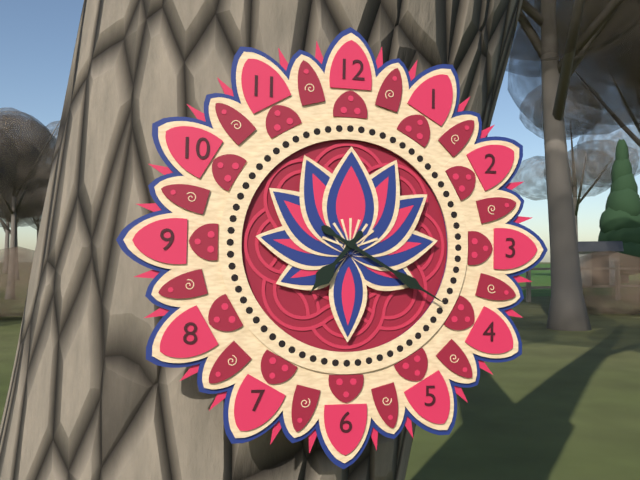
7:20
